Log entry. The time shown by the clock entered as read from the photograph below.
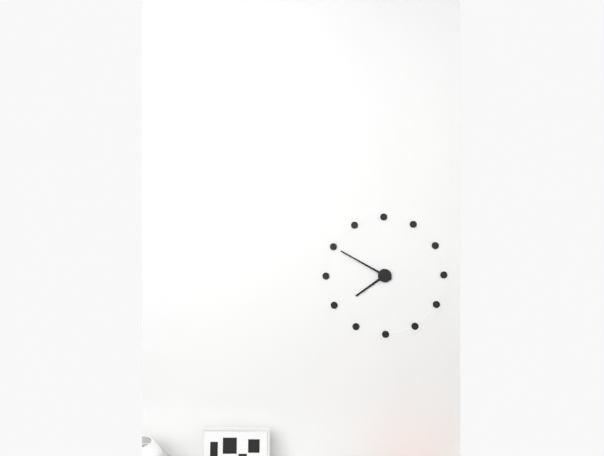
7:50
